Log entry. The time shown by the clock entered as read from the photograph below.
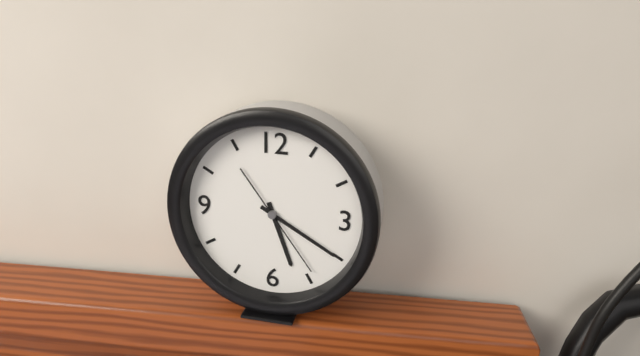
5:20:24
